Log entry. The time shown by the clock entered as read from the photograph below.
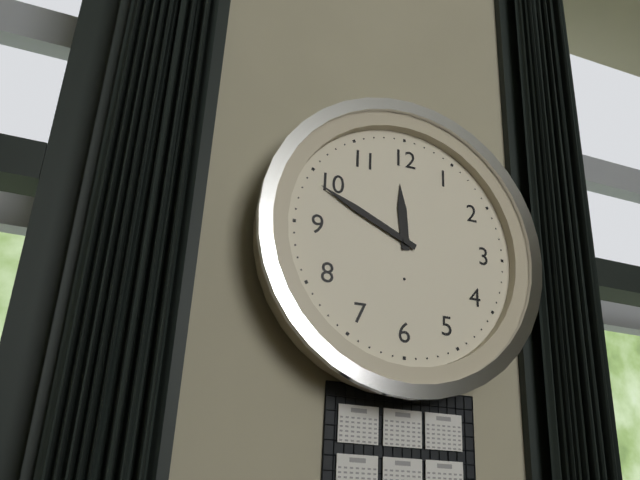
11:49
